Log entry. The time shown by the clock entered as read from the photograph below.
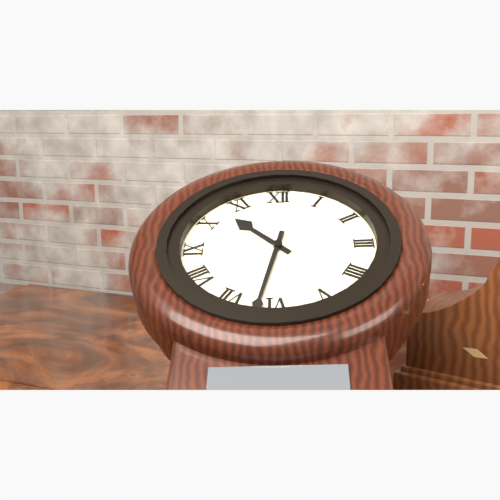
10:32
